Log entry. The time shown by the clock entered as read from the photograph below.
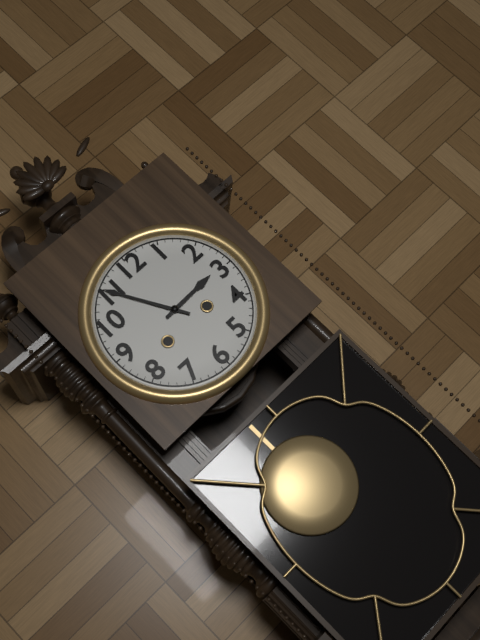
2:55
